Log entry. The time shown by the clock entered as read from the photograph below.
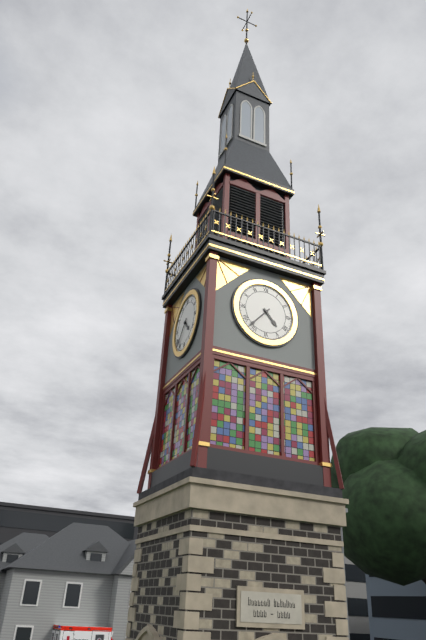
4:37
